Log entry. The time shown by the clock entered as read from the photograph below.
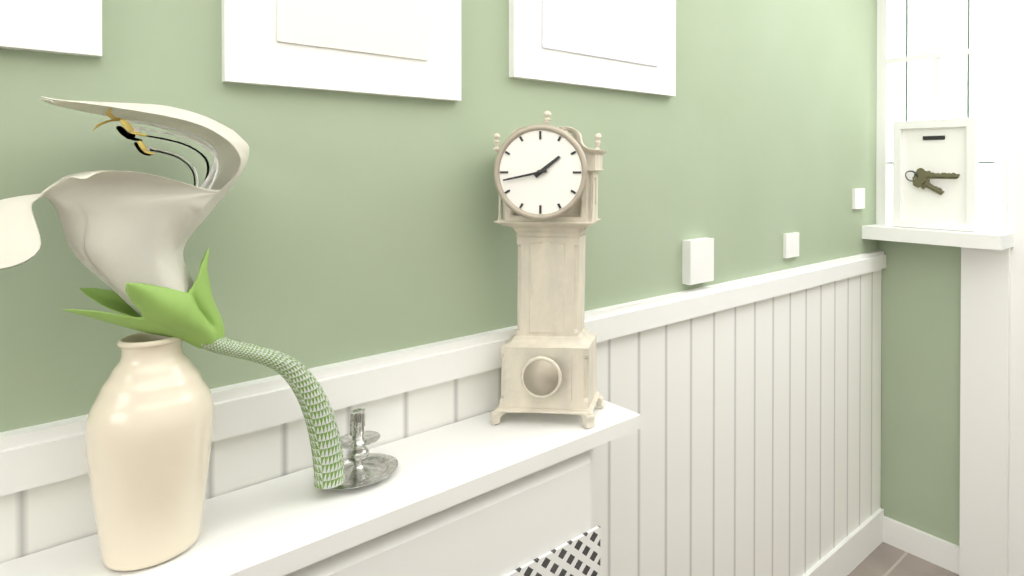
1:43
